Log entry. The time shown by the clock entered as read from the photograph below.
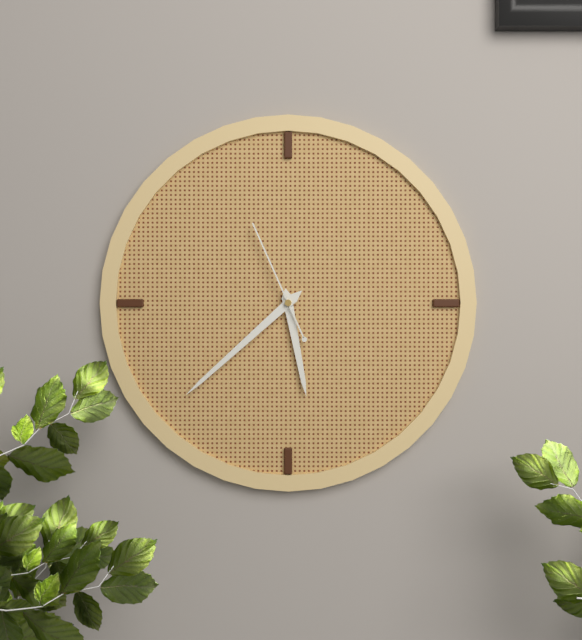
5:38:56
